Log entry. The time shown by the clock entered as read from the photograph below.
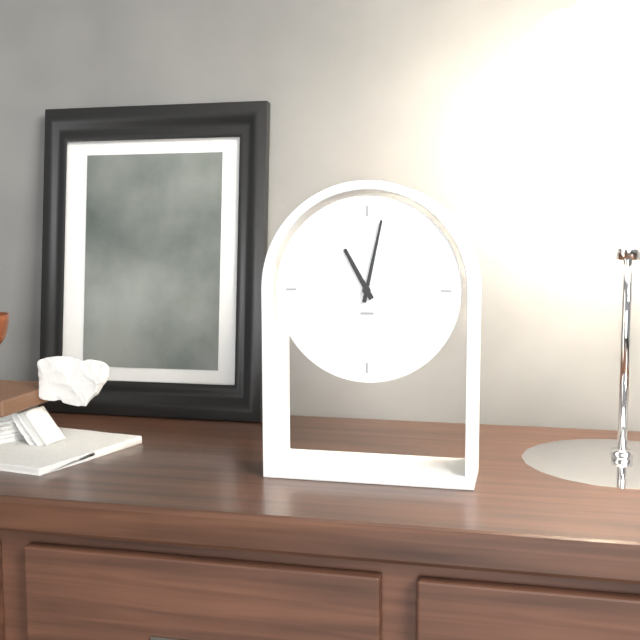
11:02
